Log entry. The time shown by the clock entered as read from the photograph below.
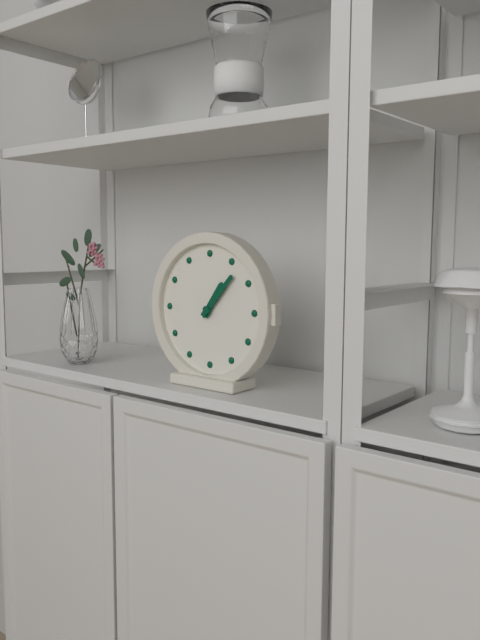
1:07
